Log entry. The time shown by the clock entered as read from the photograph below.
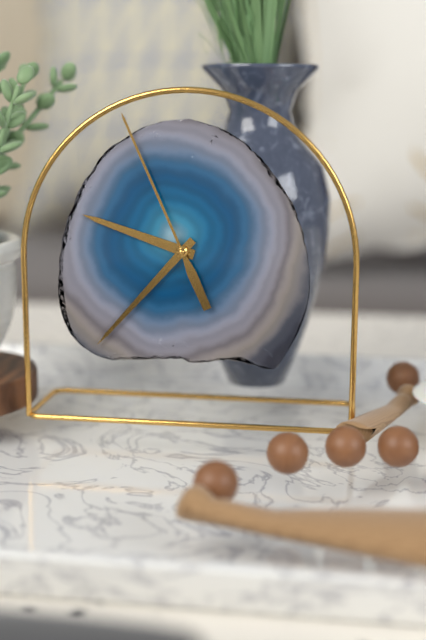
9:37:56
